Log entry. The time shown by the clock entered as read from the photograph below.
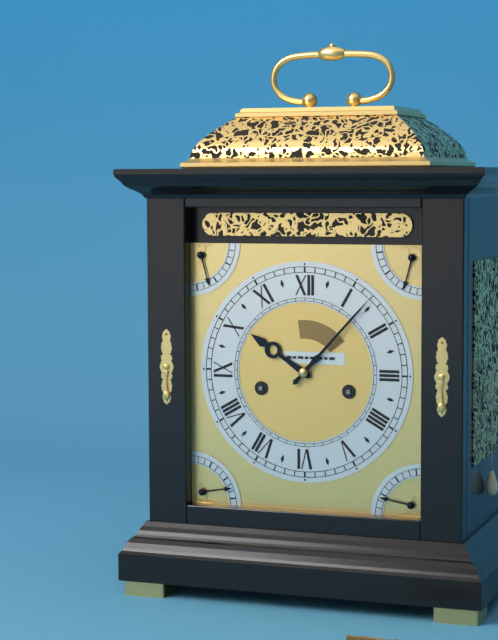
10:07
